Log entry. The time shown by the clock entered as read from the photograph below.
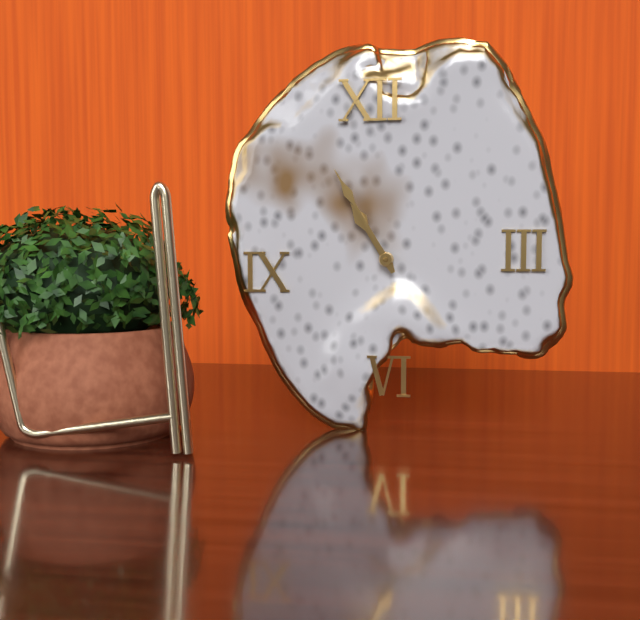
10:55
